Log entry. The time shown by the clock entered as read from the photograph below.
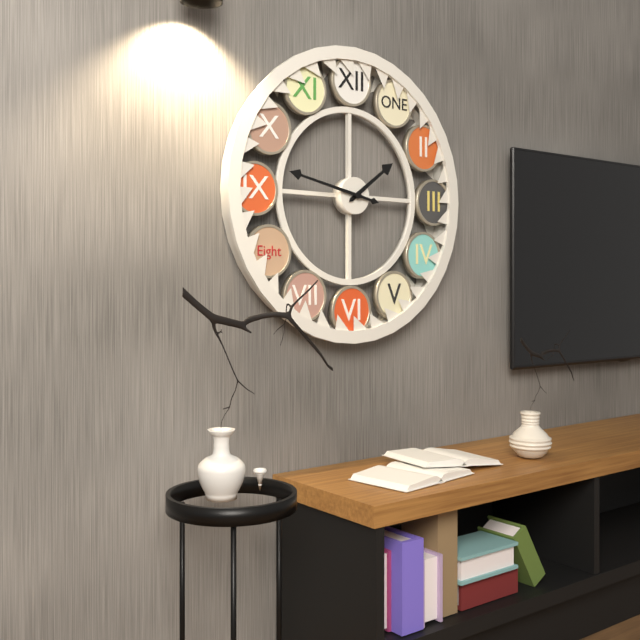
1:47
